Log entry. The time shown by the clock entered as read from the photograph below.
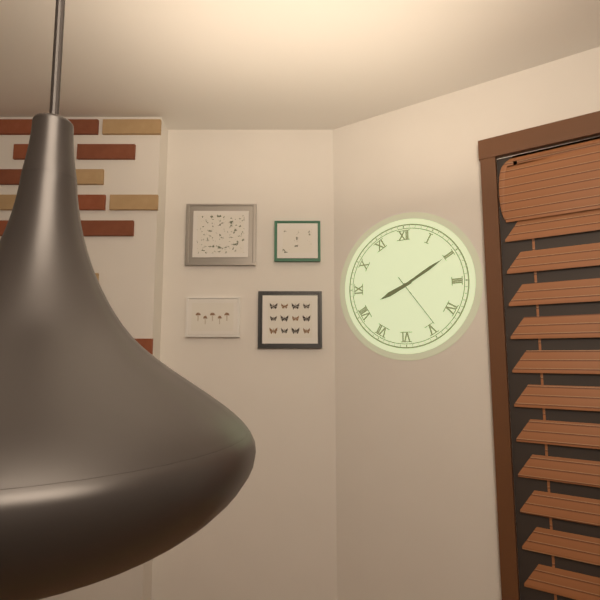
8:10:24
